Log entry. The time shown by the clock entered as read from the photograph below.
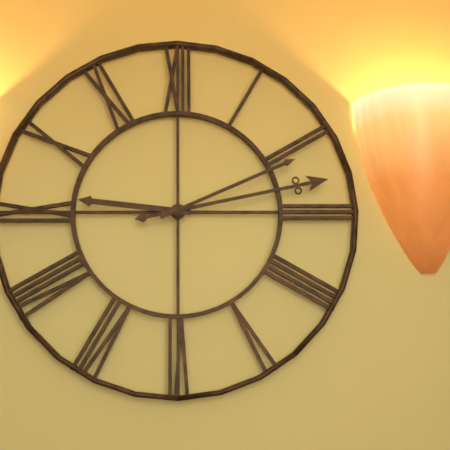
9:13:11
